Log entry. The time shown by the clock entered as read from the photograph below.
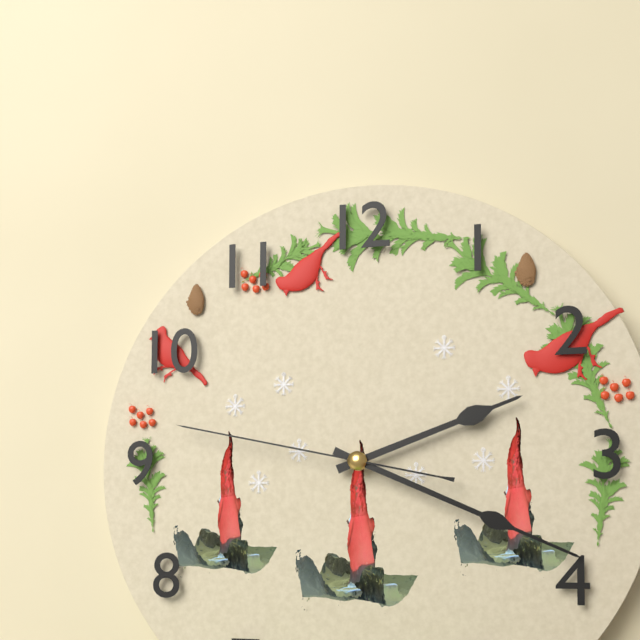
2:19:47
